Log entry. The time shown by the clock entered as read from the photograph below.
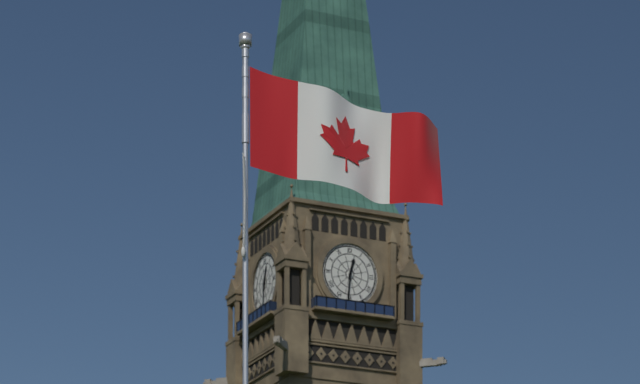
12:31
